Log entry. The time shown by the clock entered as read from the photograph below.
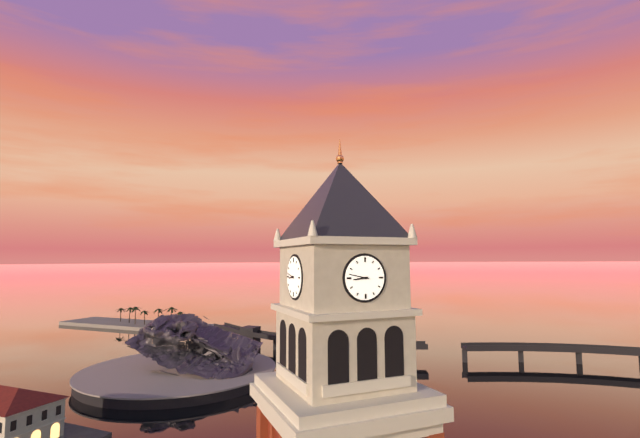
8:47
